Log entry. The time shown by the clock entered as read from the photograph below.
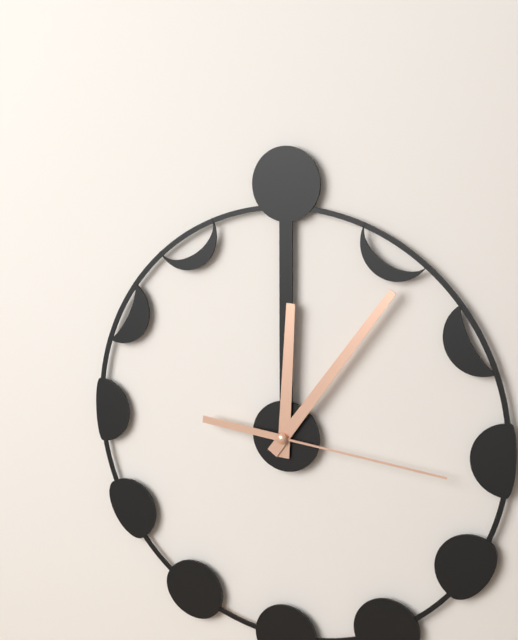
12:06:16
